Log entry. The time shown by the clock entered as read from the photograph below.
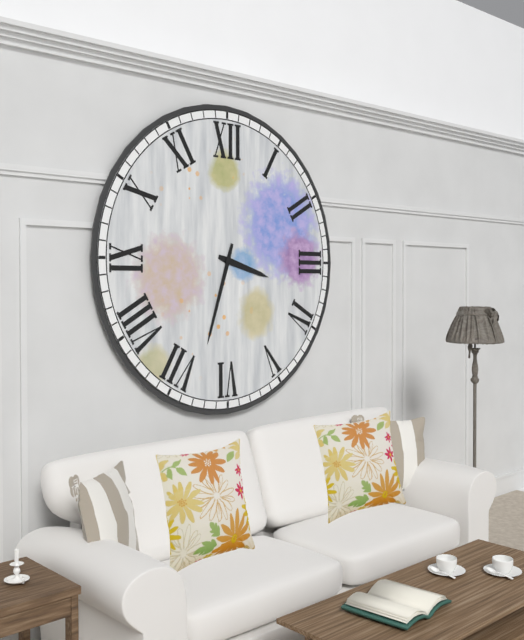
3:33
